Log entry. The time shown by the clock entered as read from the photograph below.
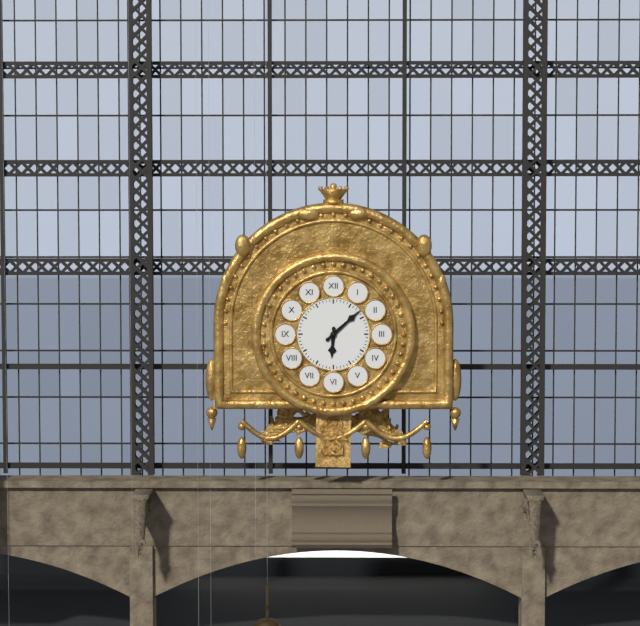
6:08
